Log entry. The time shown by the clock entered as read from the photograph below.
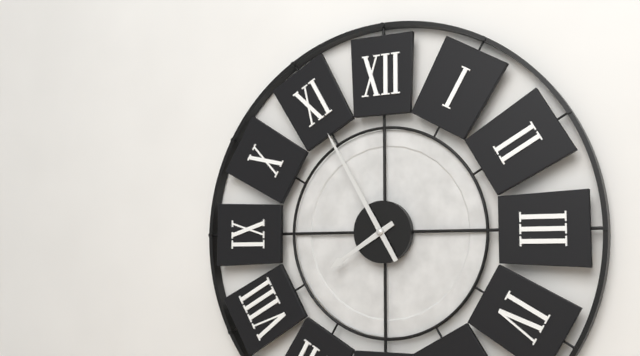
7:55
